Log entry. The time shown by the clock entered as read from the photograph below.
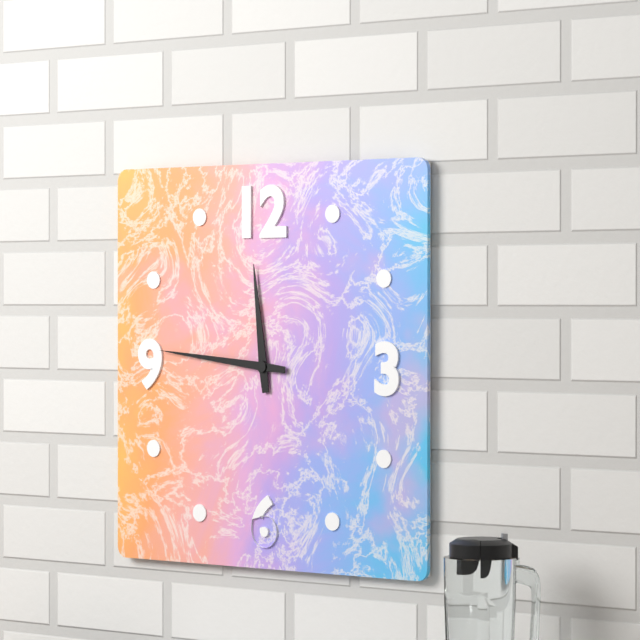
11:46
